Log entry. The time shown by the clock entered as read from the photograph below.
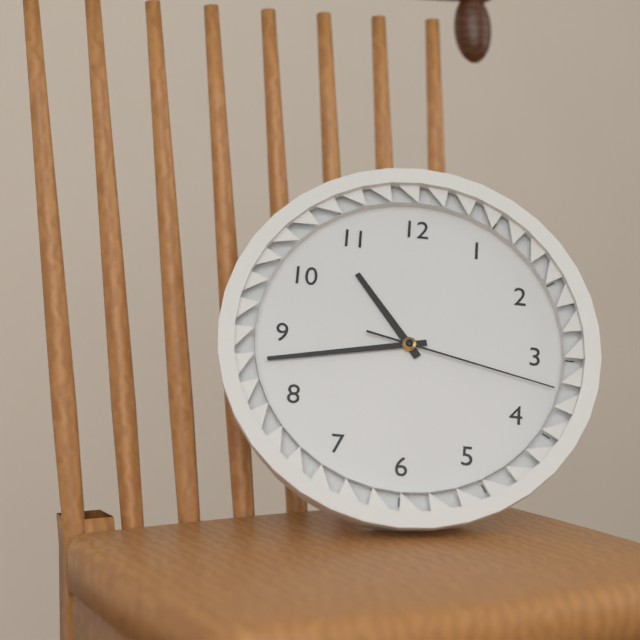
10:43:17
